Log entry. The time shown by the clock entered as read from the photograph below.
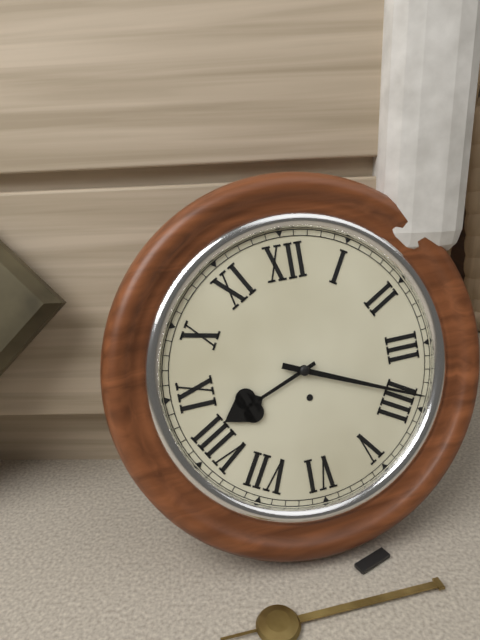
8:19
